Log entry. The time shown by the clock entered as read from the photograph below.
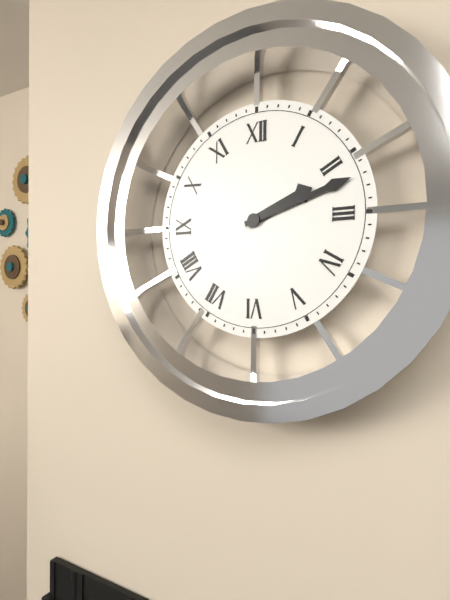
2:12
